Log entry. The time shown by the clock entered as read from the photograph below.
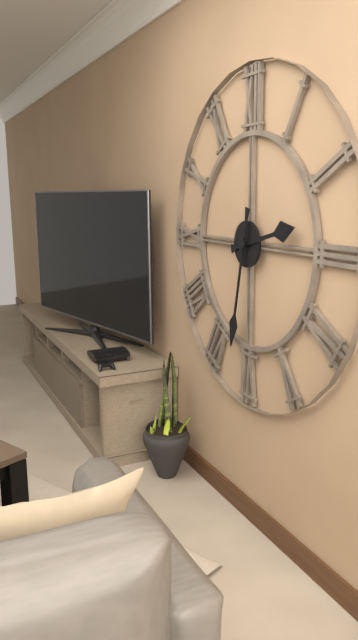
2:32
